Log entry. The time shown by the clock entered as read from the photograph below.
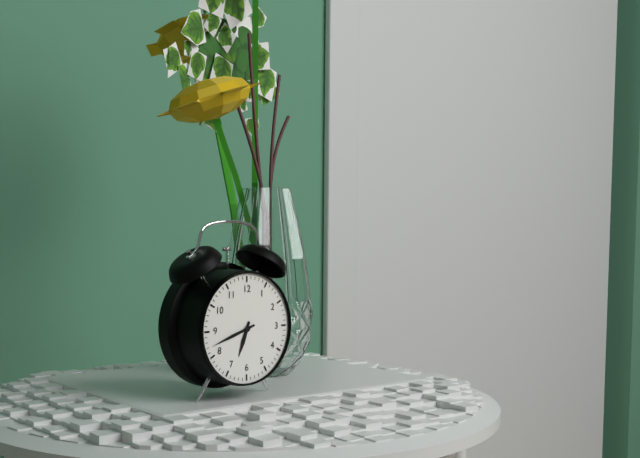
6:42
